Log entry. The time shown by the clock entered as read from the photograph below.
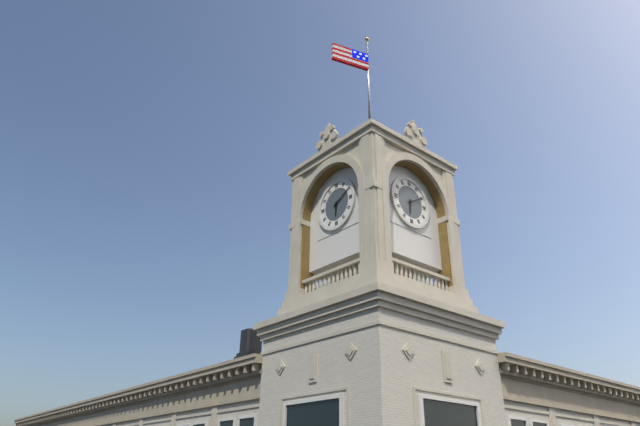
6:10
